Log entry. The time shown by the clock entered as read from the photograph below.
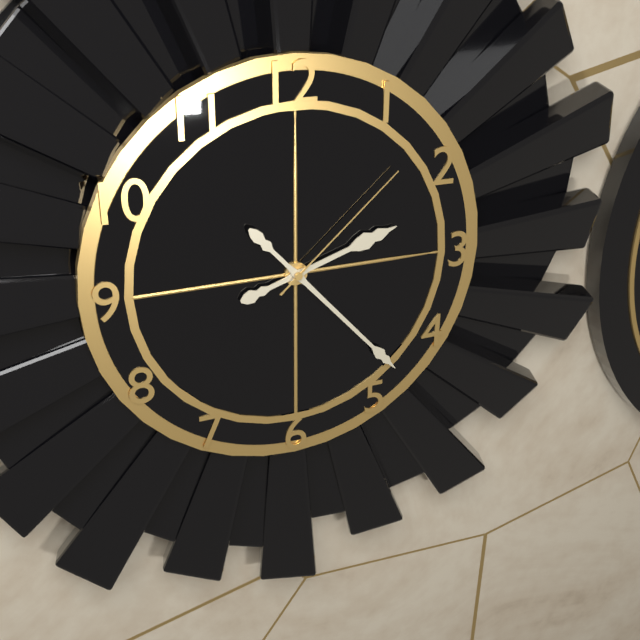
2:23:08
